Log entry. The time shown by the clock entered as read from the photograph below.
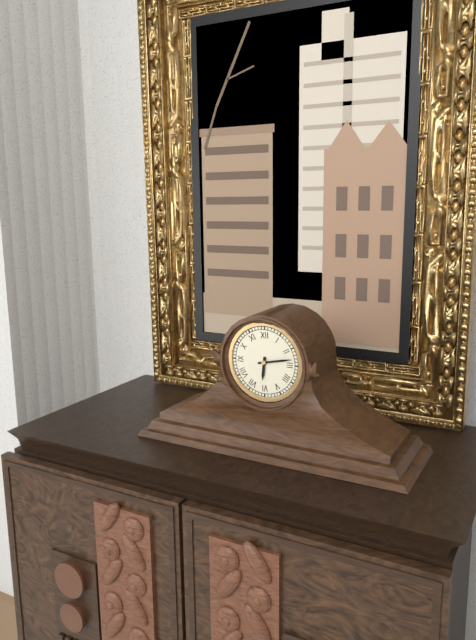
6:13
